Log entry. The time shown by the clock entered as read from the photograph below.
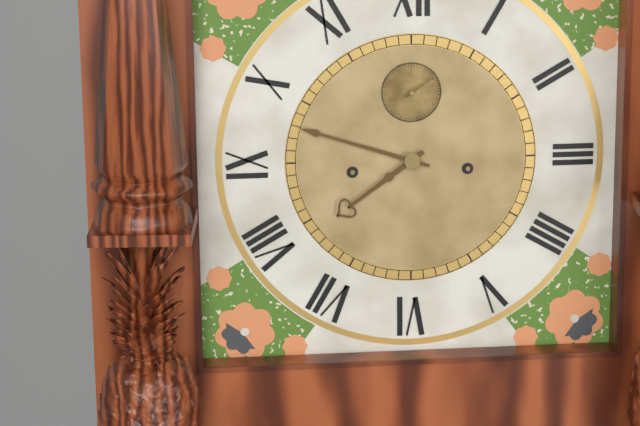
7:48
